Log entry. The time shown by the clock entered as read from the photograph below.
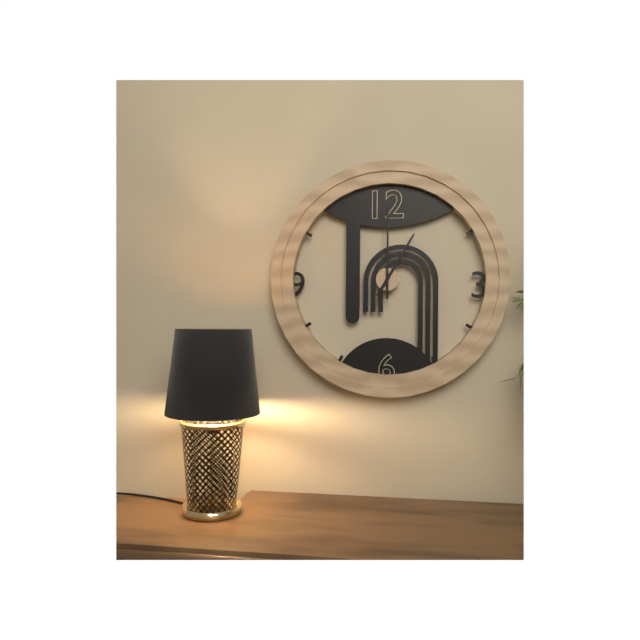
1:00
